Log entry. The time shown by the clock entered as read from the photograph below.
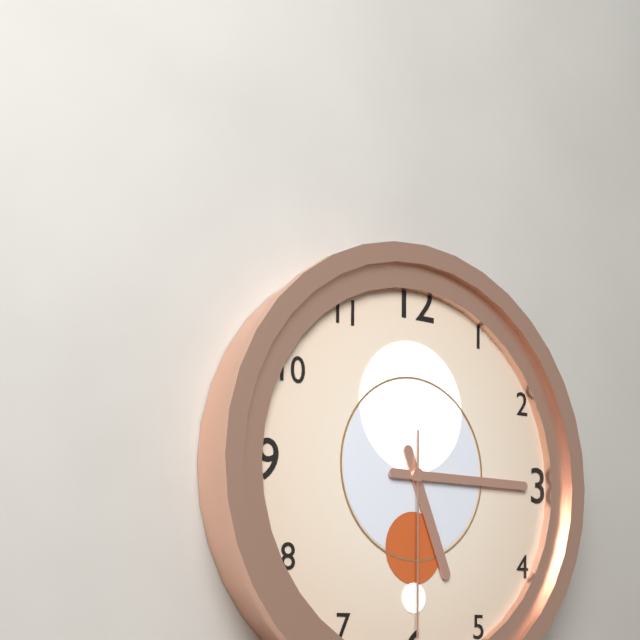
5:15:30
